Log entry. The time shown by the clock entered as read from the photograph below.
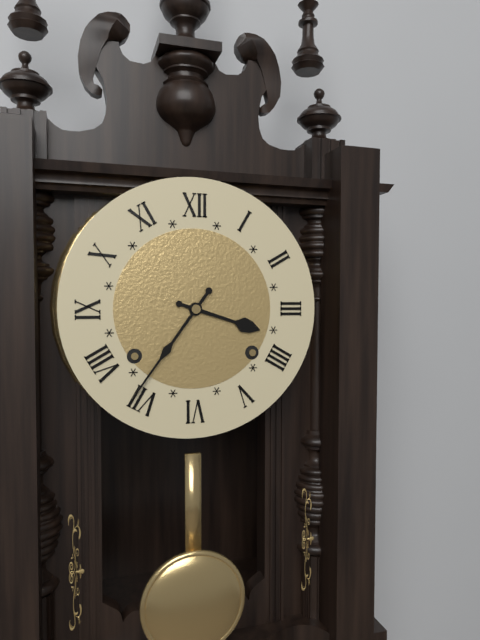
3:36
